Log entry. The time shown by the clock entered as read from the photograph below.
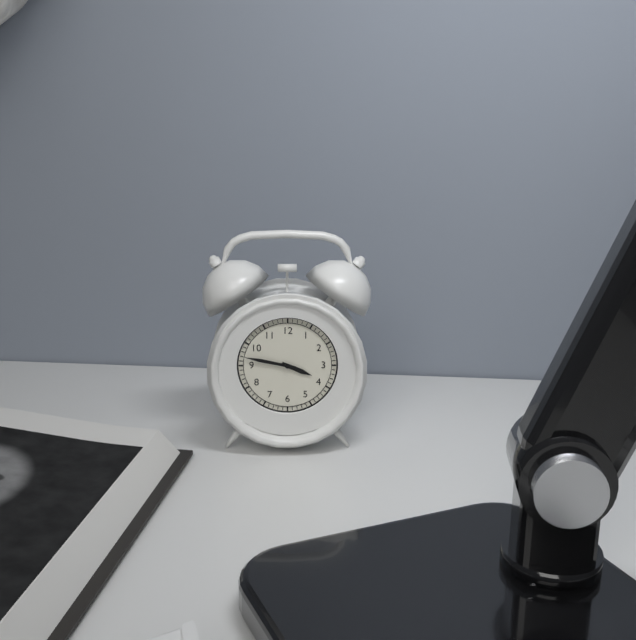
3:47
